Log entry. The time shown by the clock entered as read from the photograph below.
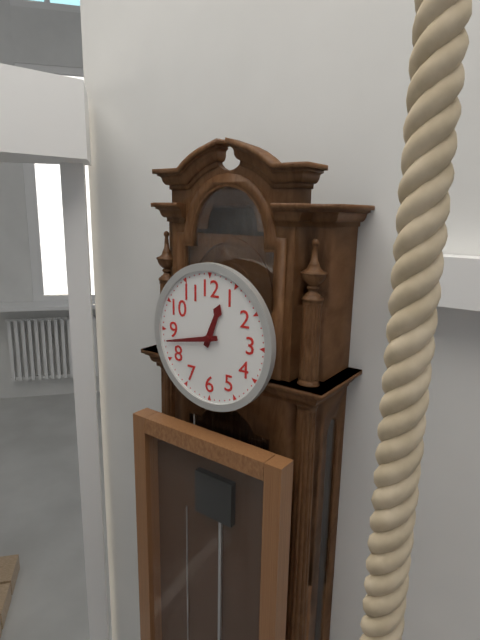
12:43
